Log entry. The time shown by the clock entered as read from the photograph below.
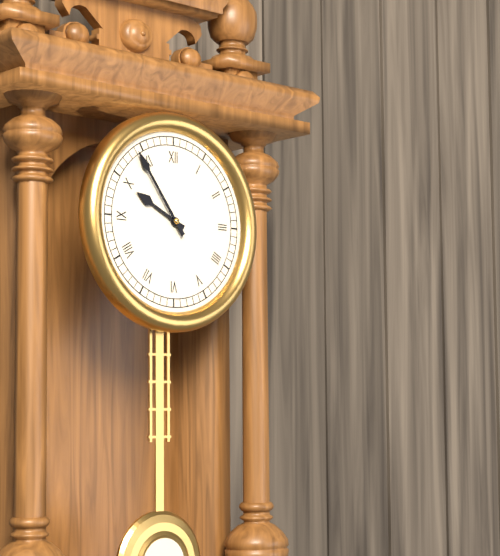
9:54
